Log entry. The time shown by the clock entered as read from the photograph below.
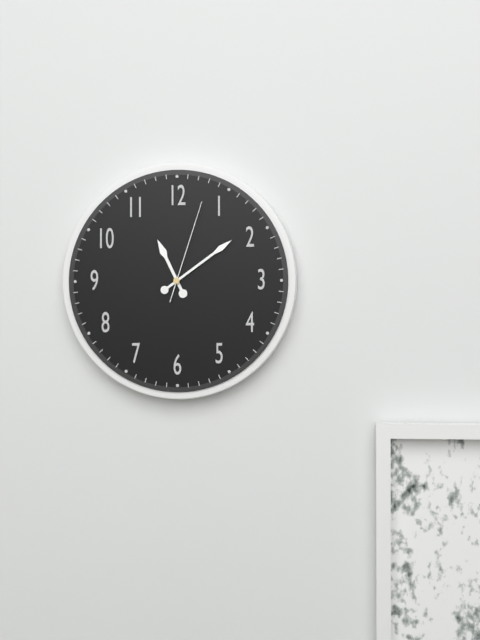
11:09:03
